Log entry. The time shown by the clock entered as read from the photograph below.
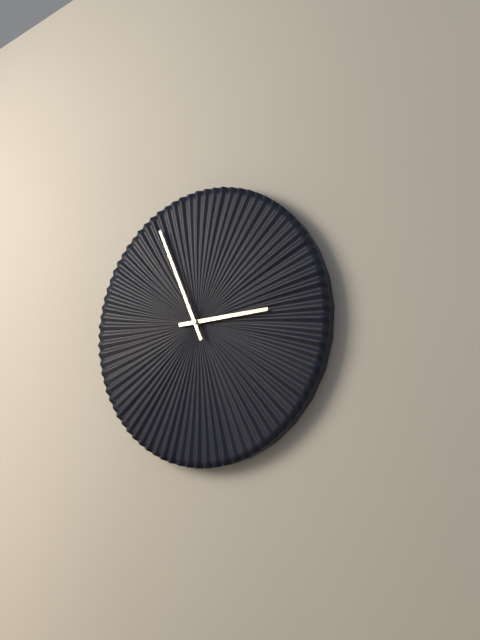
2:56
